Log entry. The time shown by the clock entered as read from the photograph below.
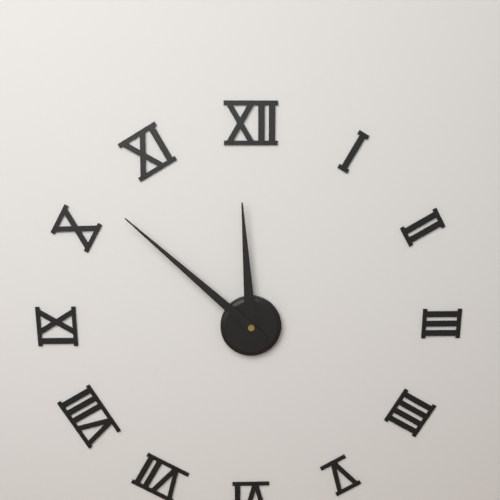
11:52
